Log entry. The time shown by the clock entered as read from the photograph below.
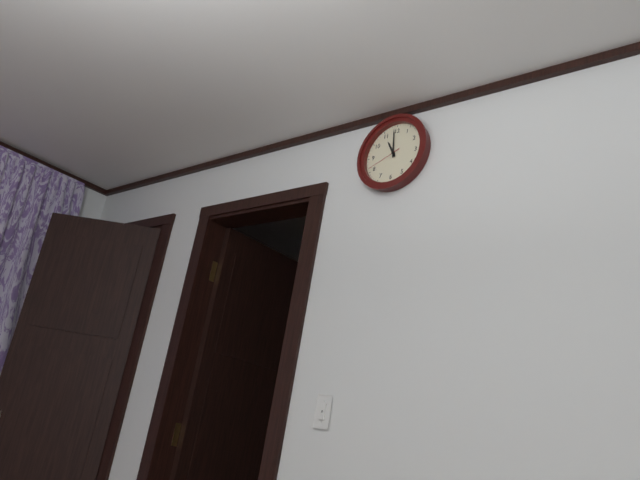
10:59
